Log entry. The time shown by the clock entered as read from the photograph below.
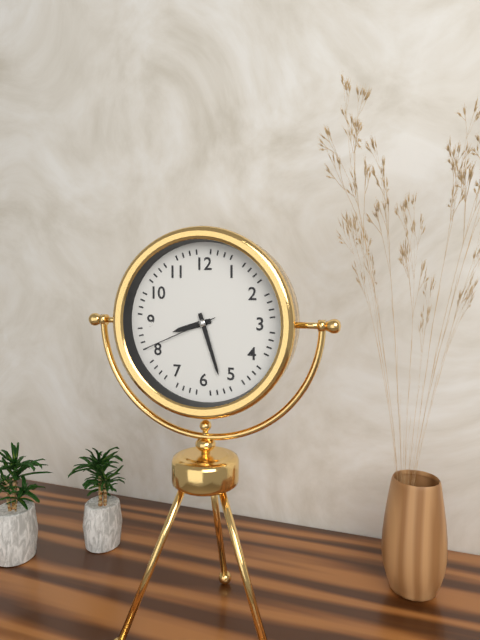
8:27:41
